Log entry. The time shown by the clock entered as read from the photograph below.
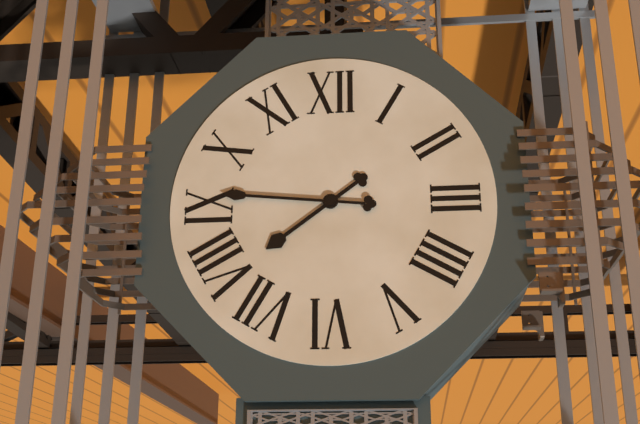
7:46
